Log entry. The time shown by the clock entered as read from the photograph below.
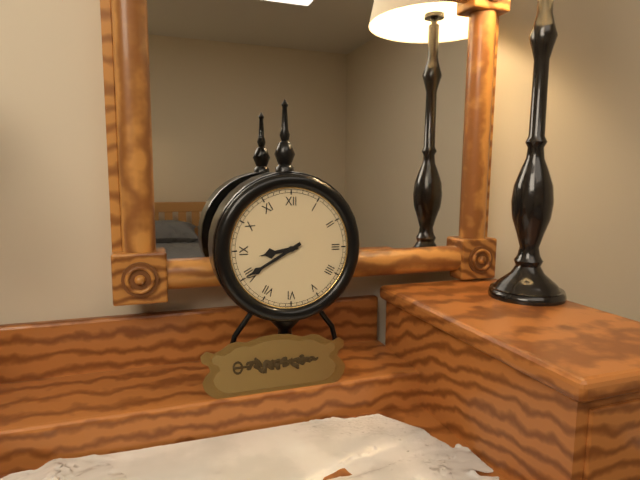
8:40
